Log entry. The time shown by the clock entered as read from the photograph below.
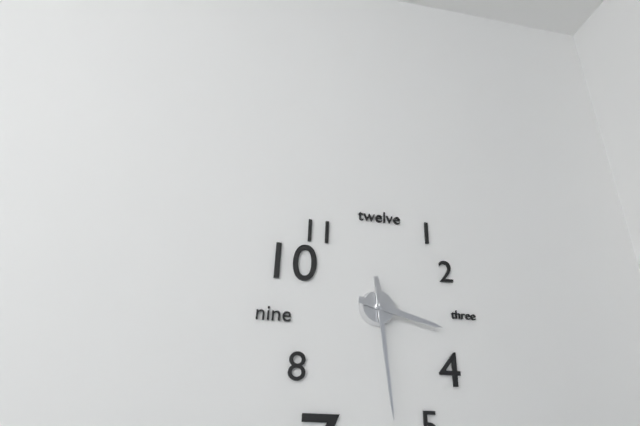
3:29
